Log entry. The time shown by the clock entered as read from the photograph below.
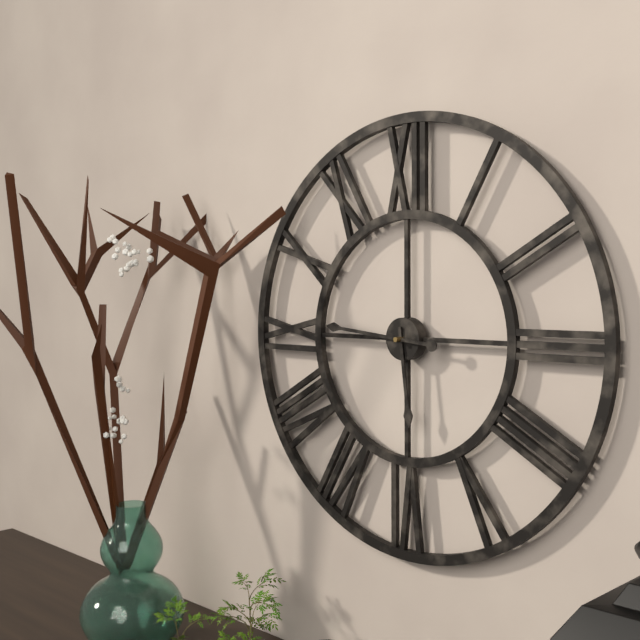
5:46
